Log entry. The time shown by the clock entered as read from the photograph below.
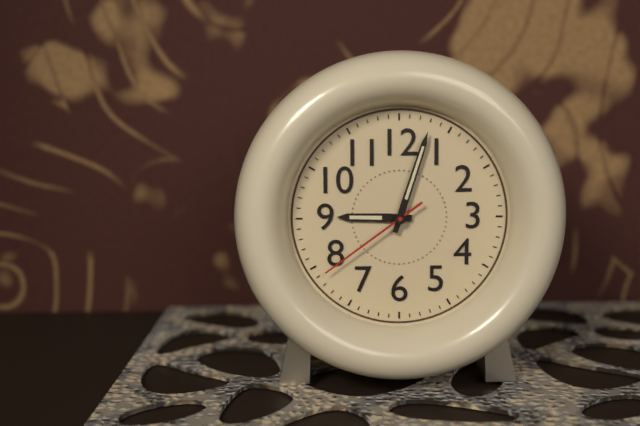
9:03:39
